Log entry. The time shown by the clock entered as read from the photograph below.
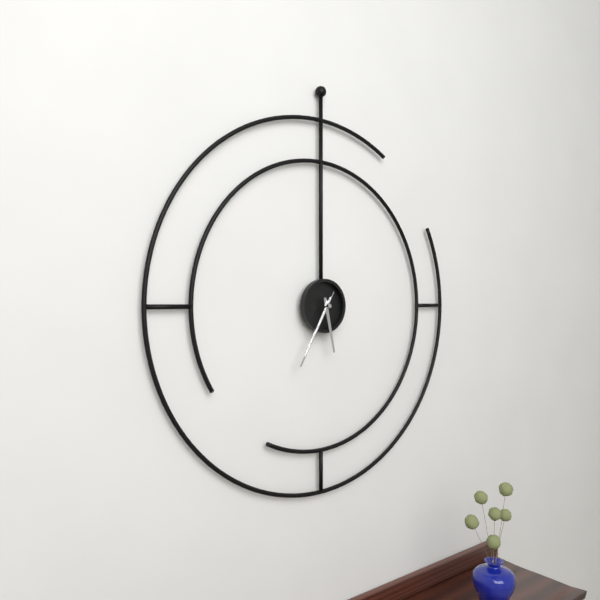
5:35:35
